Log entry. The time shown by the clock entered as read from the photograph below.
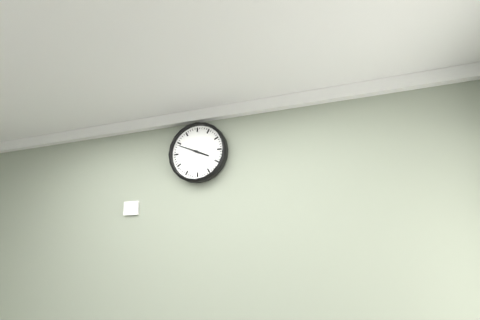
3:49
